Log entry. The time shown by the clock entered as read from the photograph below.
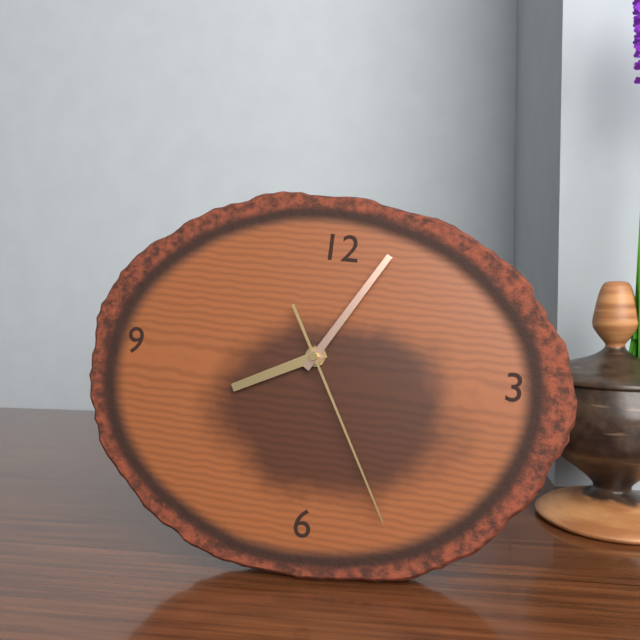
8:05:25
